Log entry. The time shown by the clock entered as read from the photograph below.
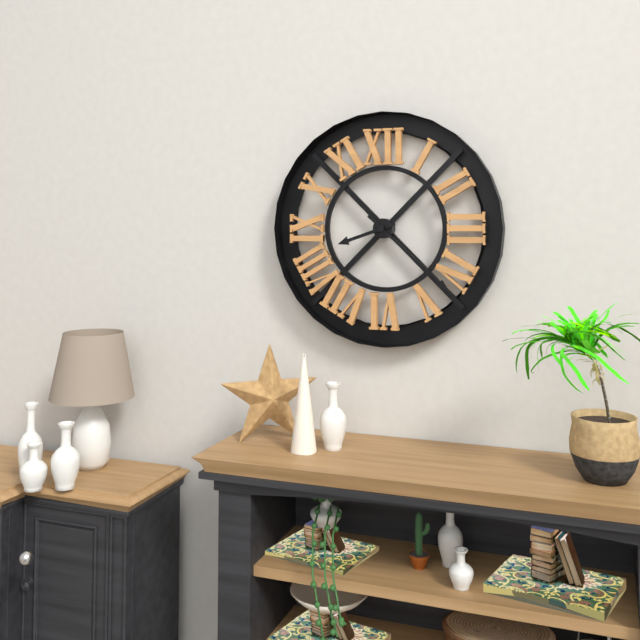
8:22
